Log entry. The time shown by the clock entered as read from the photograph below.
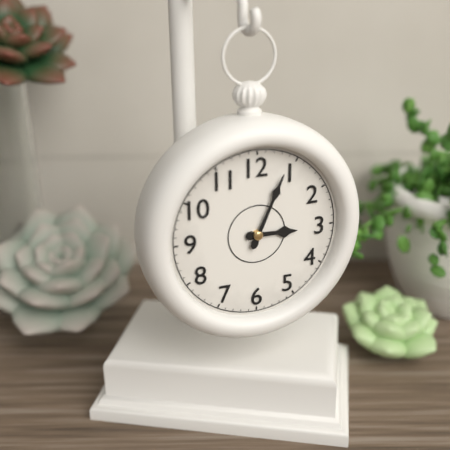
3:04
